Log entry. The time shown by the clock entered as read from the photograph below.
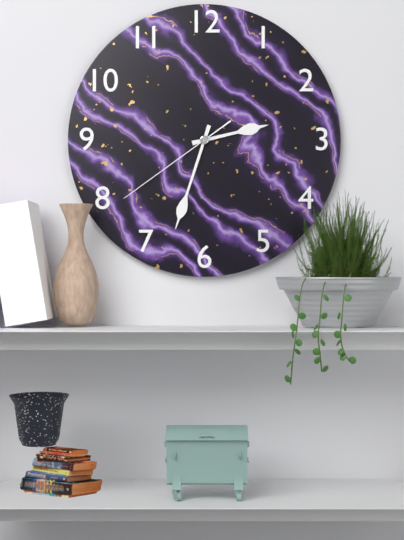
2:33:39
